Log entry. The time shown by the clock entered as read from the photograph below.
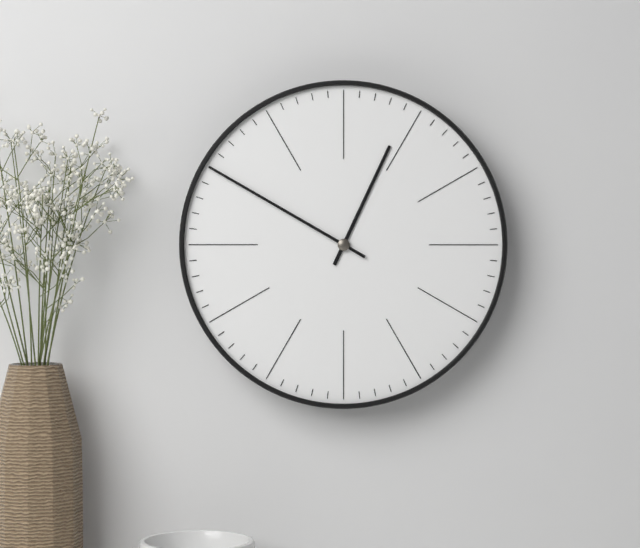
12:50
